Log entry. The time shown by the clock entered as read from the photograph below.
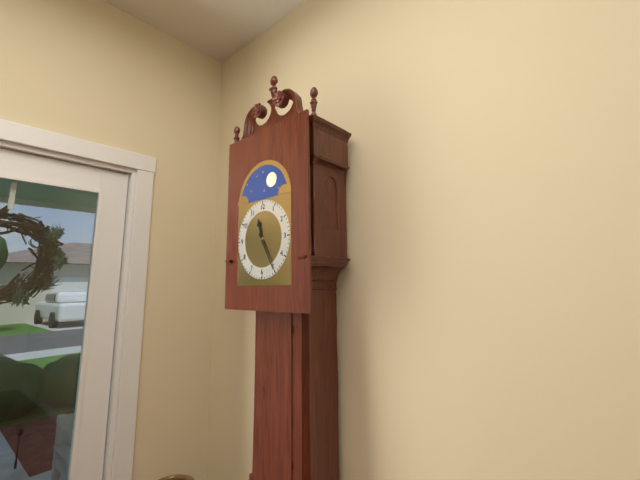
11:25
